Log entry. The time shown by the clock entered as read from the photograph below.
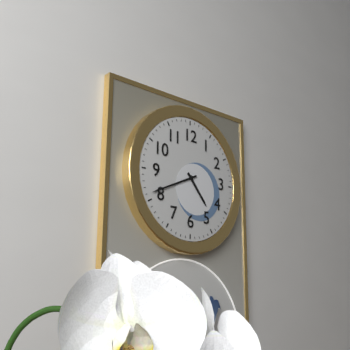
4:41
